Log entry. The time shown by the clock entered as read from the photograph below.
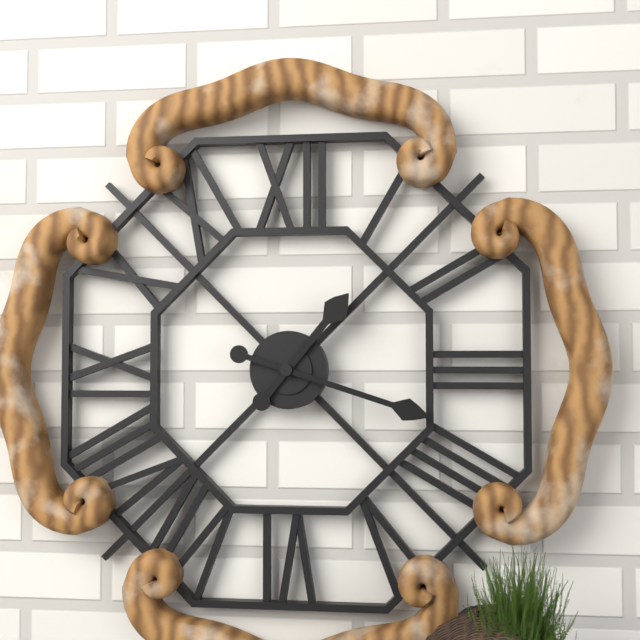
1:18
